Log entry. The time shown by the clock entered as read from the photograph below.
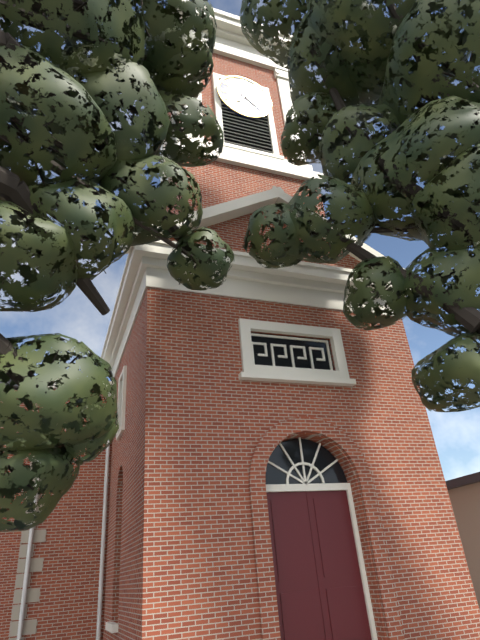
7:22
